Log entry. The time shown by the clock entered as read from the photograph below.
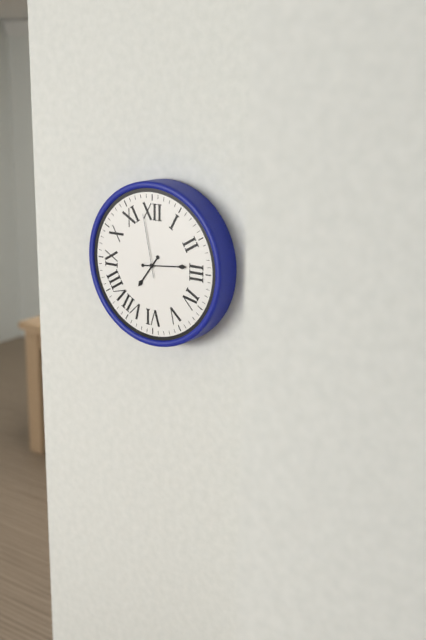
7:14:58
